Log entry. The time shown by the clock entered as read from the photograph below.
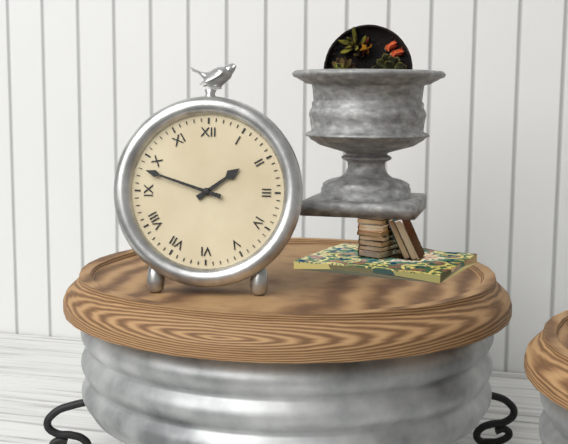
1:48
